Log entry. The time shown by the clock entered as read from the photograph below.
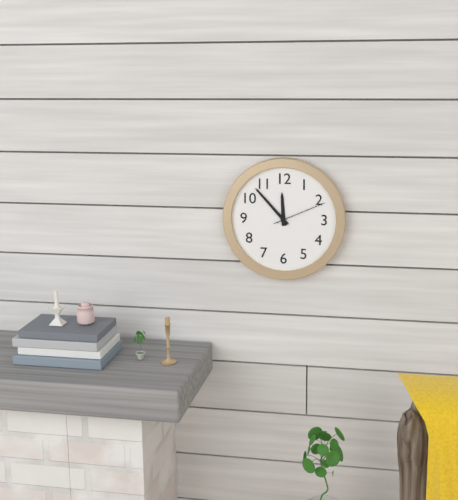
11:53:11
